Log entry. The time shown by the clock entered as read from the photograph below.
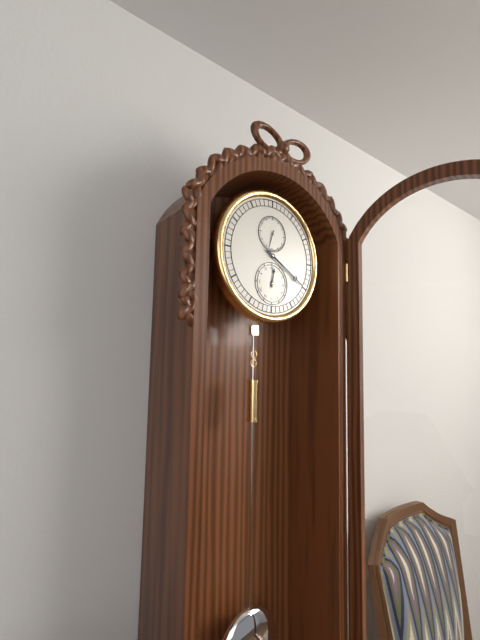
12:20
